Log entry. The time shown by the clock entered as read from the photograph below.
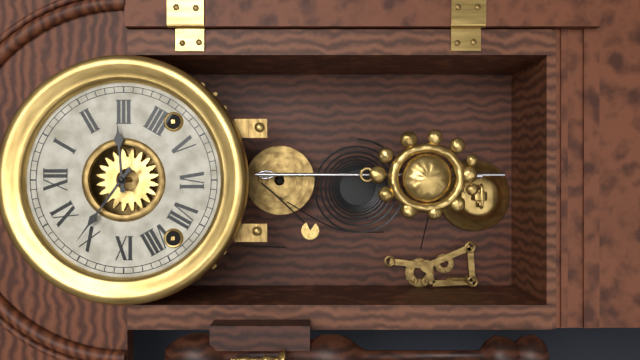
2:51
